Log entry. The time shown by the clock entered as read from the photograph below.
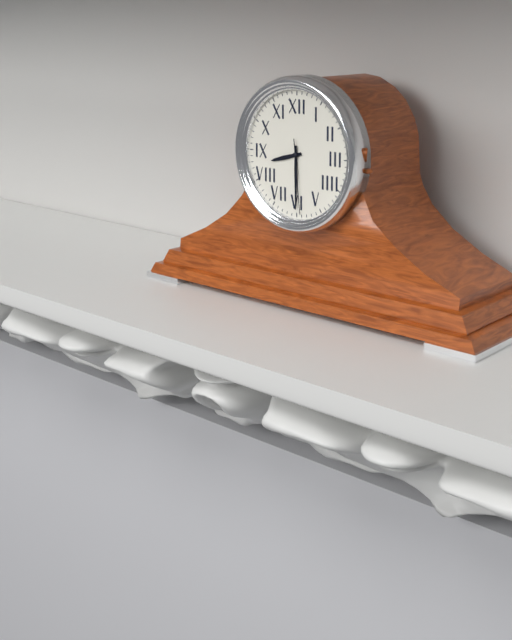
8:30:29
